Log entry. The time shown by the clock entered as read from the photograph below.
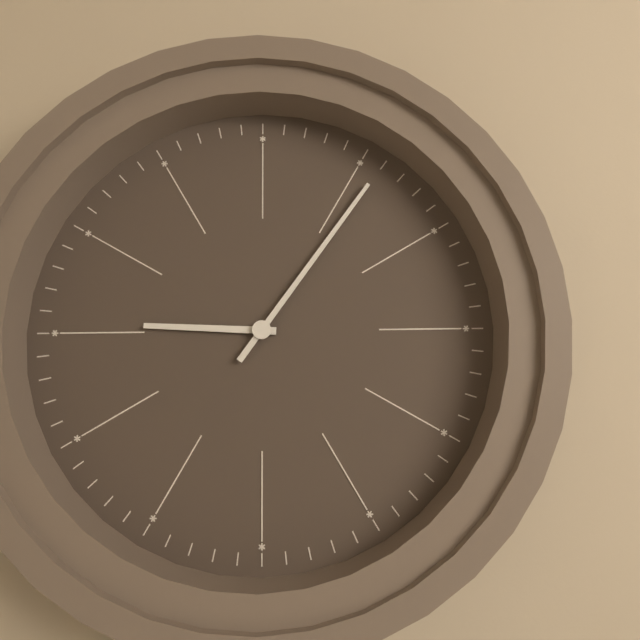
9:06
